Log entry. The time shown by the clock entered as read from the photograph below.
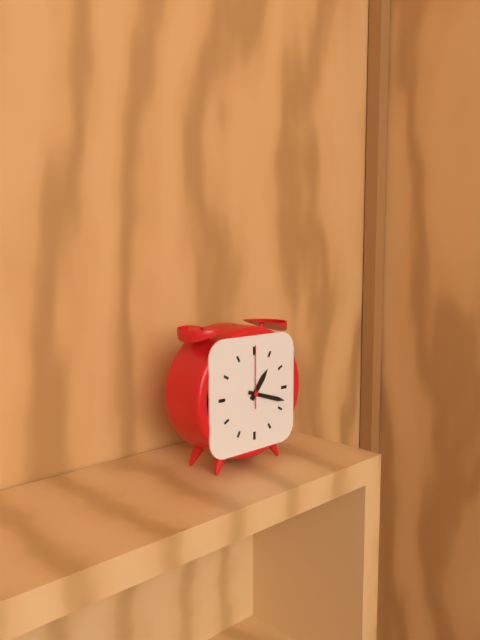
1:18:00
